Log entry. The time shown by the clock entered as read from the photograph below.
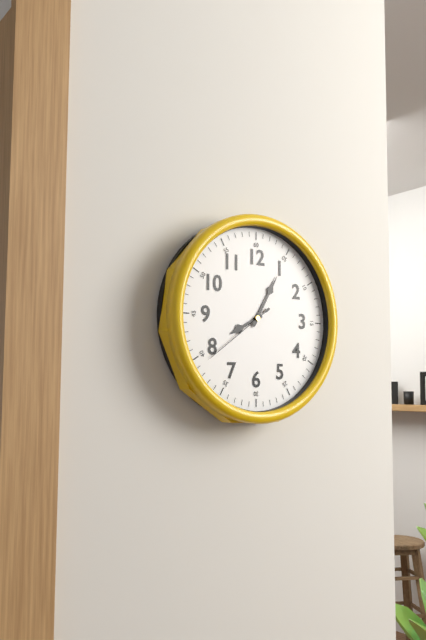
8:05:39
